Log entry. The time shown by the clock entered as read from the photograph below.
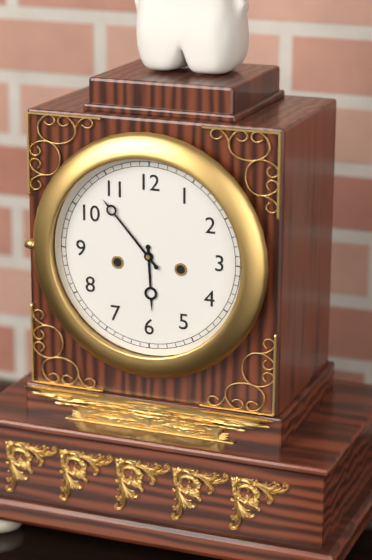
5:53
